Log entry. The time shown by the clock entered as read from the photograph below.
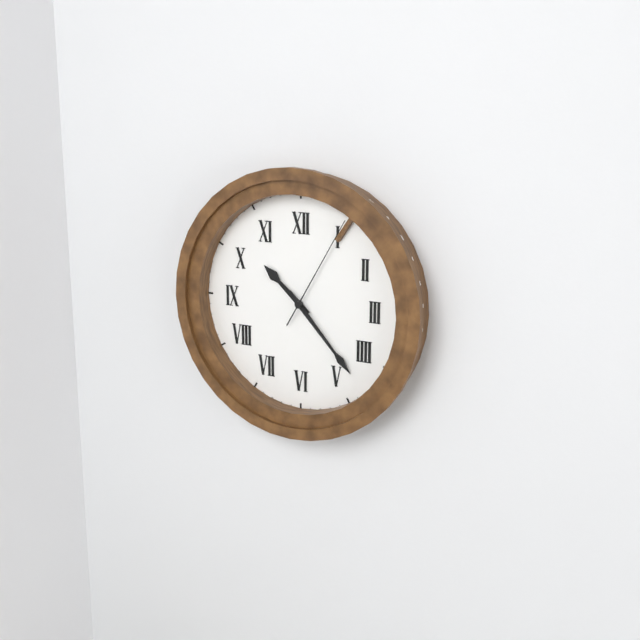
10:23:05
